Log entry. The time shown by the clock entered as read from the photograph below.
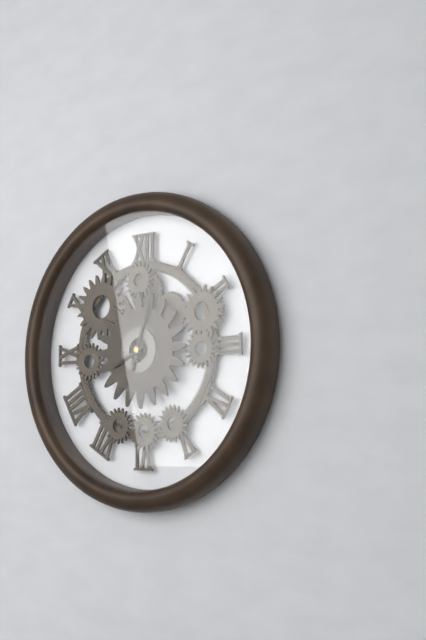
8:03
